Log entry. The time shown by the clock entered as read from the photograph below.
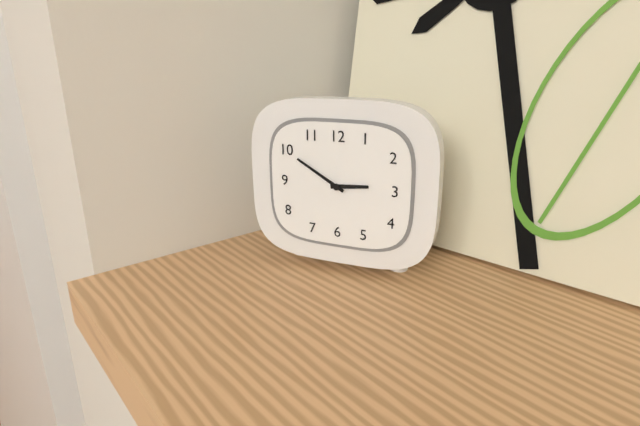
2:50
